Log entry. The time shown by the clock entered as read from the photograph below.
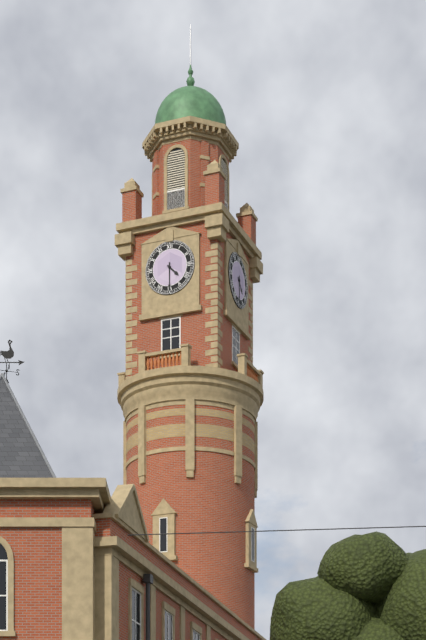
4:30
